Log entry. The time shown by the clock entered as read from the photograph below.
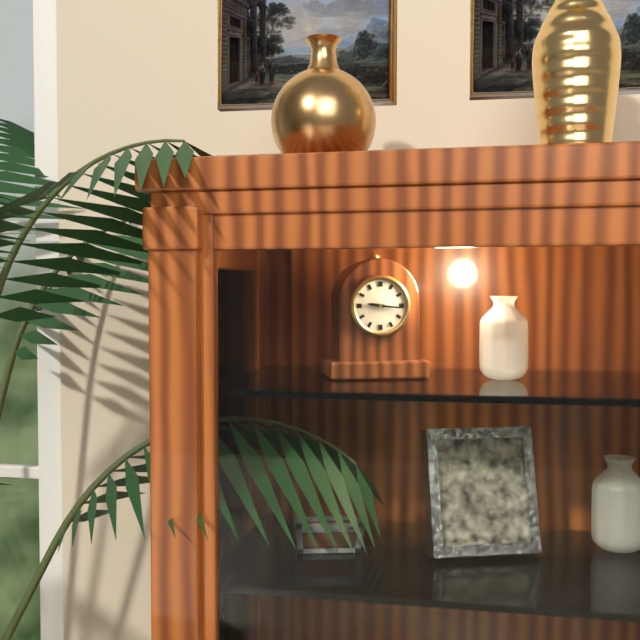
9:16
